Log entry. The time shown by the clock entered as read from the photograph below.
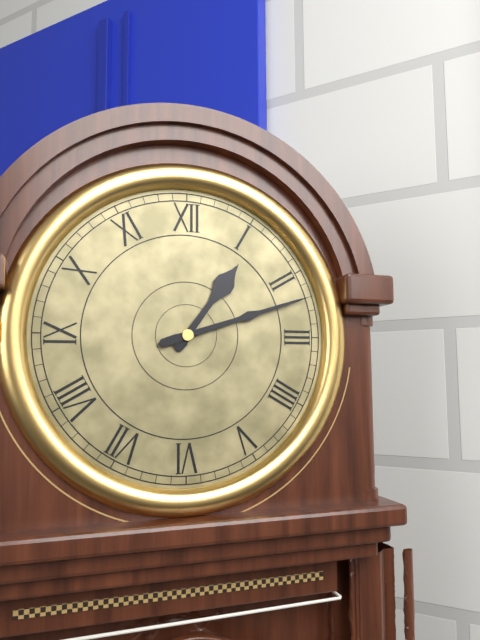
1:12
